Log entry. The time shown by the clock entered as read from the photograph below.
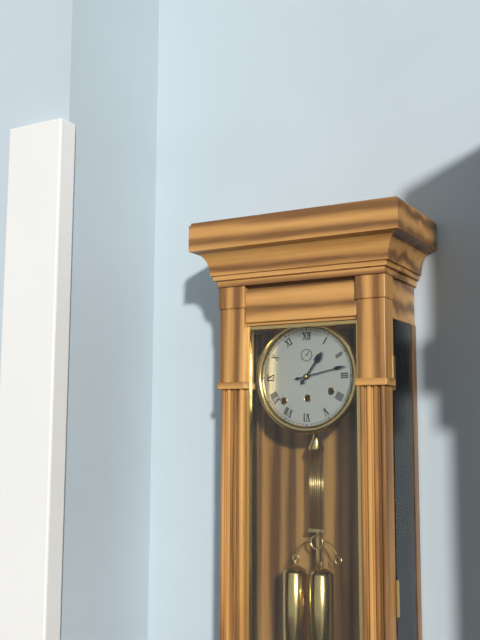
1:13
